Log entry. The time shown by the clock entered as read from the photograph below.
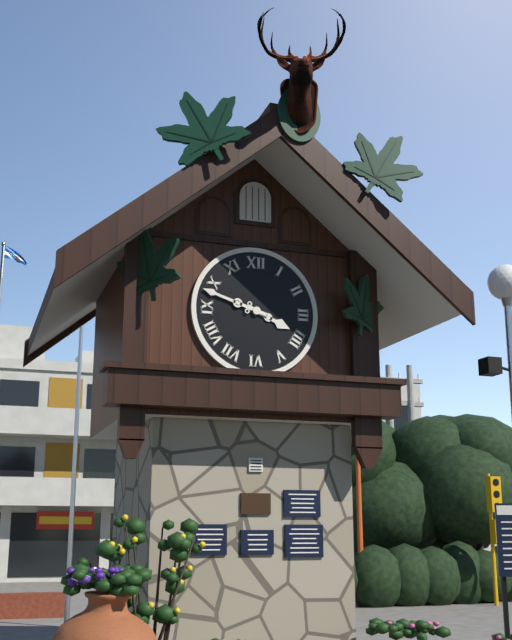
3:48
